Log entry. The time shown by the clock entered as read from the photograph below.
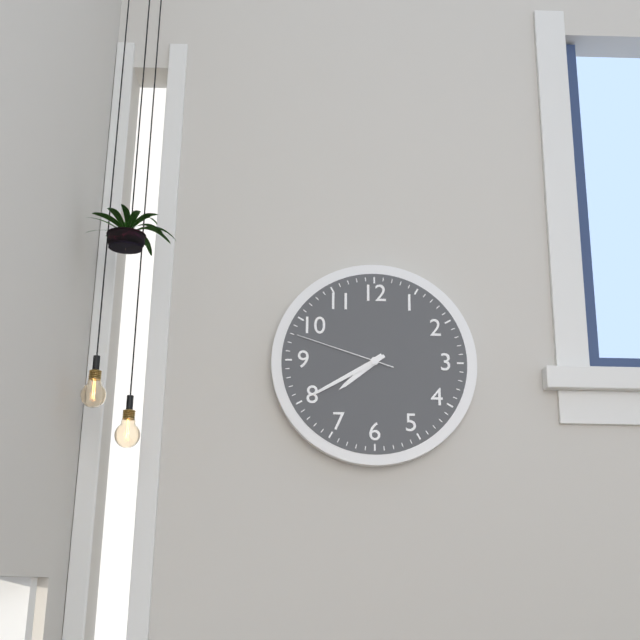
7:40:48
